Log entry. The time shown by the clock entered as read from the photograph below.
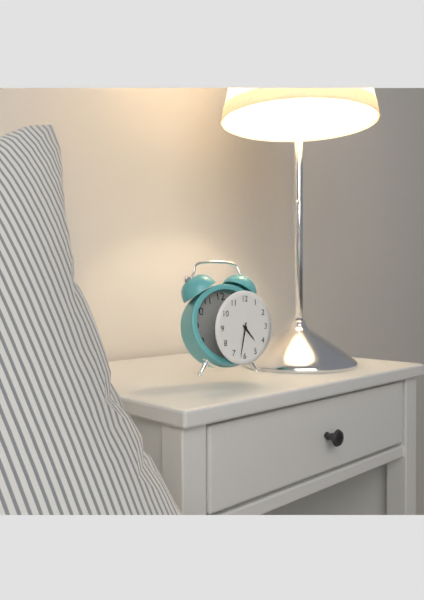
4:32
